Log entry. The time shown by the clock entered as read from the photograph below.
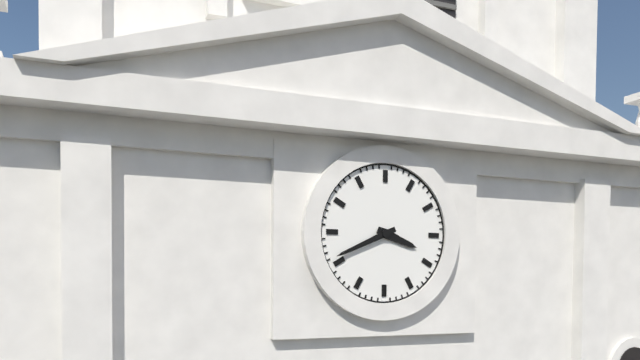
3:41
